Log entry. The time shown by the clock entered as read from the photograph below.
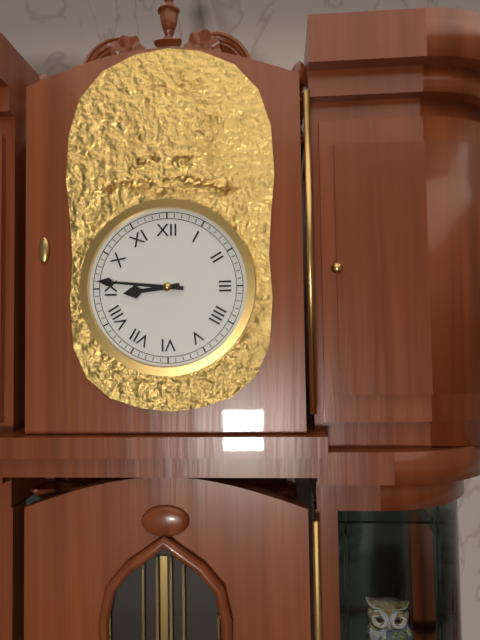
8:46
